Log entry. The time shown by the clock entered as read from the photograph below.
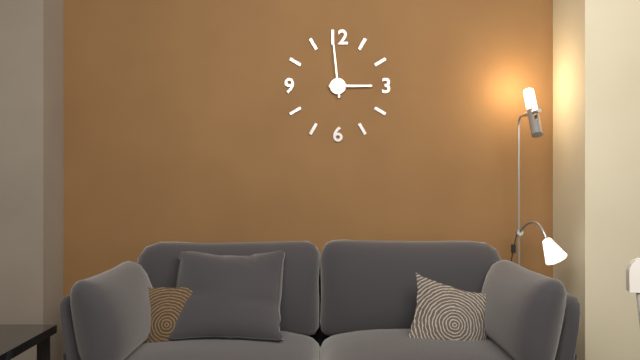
2:59
